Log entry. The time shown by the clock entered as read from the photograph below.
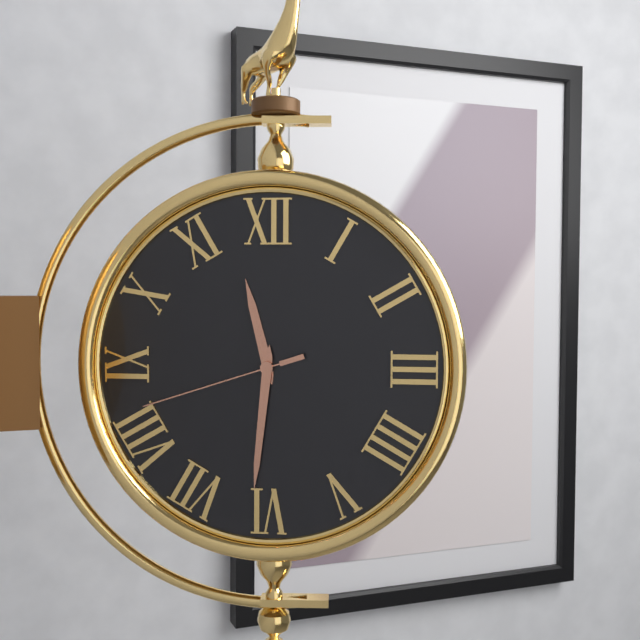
11:31:42
